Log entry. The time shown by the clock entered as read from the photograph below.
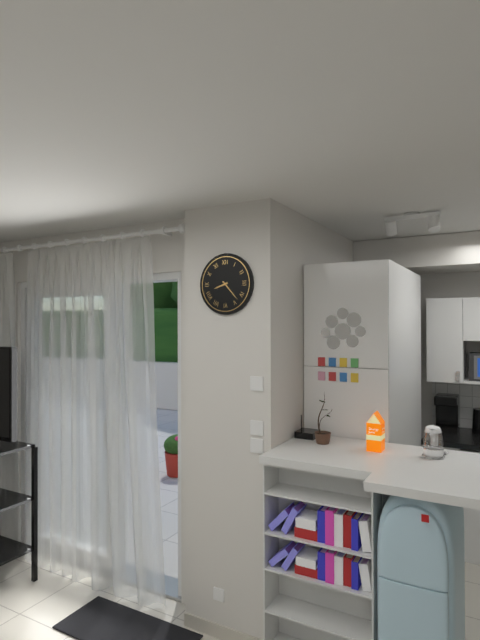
8:23
